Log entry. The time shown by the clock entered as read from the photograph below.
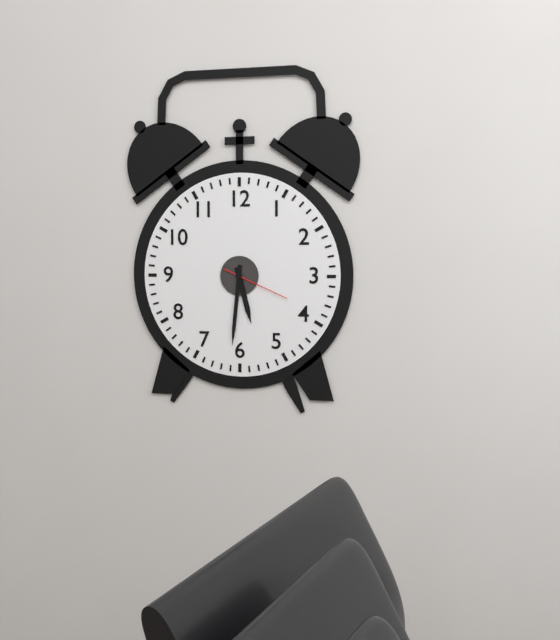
5:31:19
